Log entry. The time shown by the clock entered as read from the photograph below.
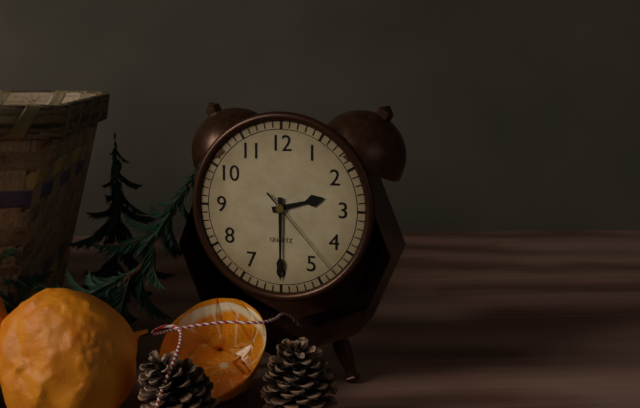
2:30:23
